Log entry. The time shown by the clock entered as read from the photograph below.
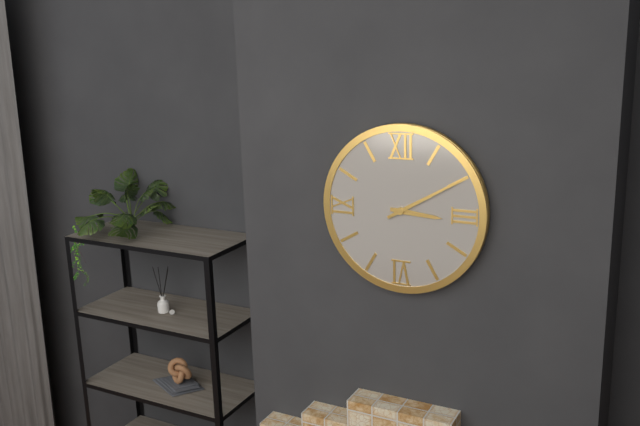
3:10
